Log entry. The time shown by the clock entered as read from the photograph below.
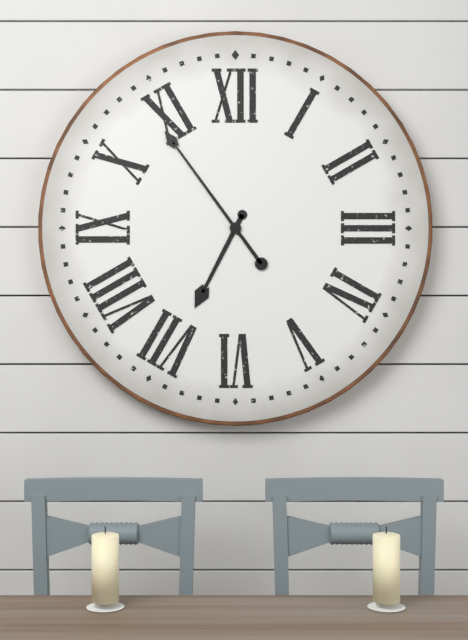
6:54
